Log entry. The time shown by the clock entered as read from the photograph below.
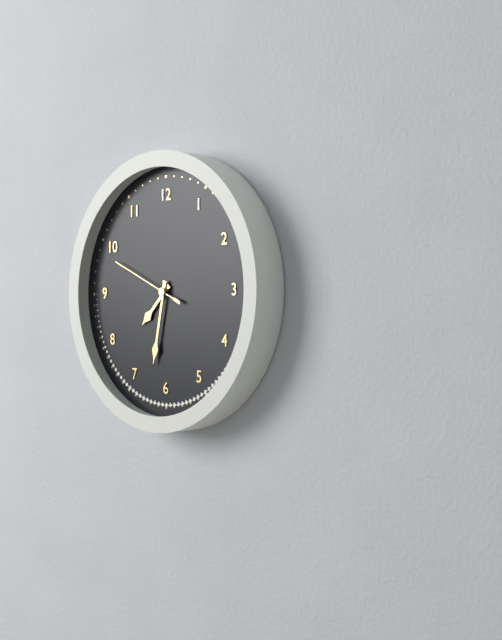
7:32:49
